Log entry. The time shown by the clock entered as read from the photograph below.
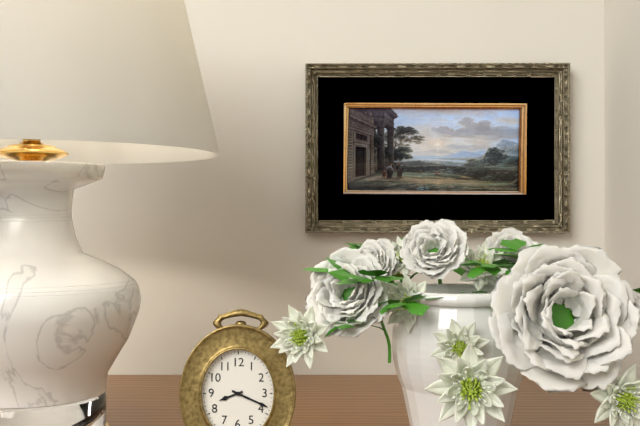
8:19
